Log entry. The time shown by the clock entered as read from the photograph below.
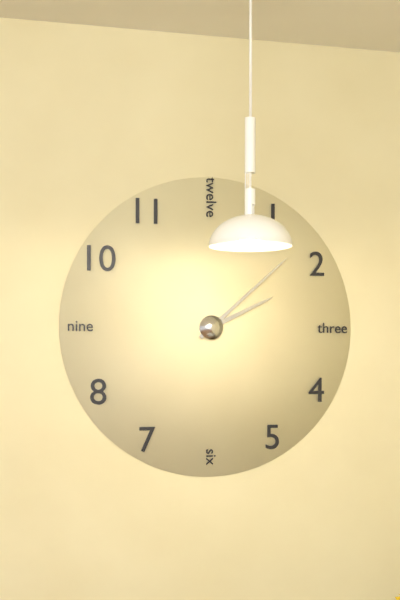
2:08
